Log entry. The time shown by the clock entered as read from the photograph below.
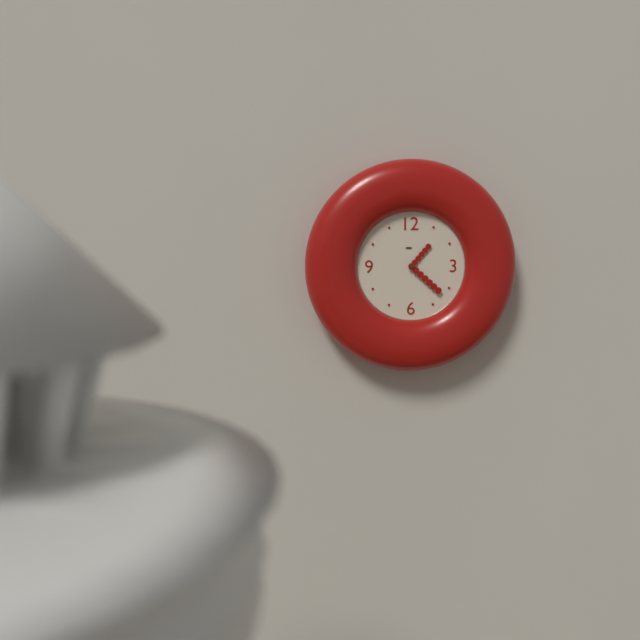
1:22
